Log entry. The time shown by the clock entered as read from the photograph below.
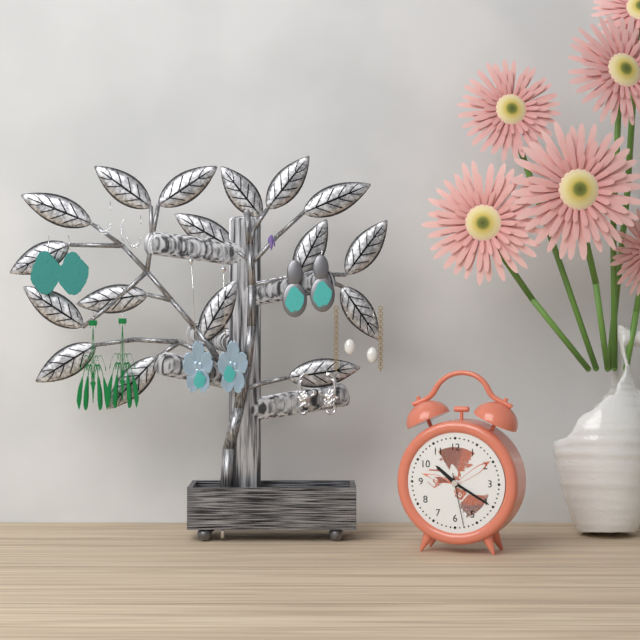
10:20:28
